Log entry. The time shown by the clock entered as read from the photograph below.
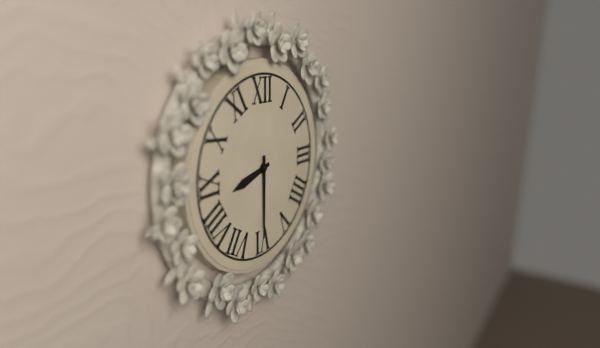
8:30
